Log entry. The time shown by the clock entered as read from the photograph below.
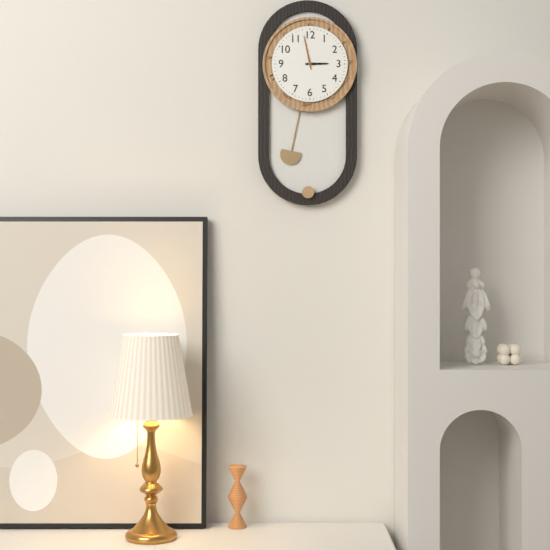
2:58
